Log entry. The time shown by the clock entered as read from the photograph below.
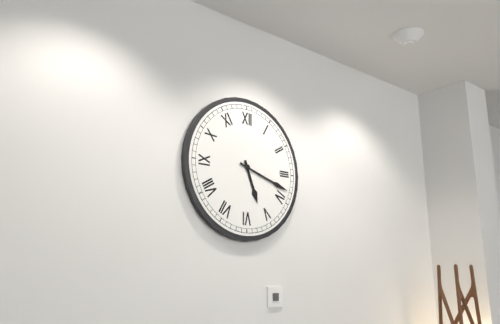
5:18
